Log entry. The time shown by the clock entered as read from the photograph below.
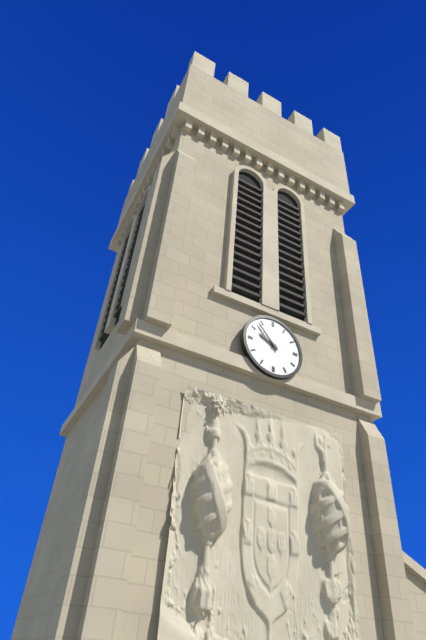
9:53
